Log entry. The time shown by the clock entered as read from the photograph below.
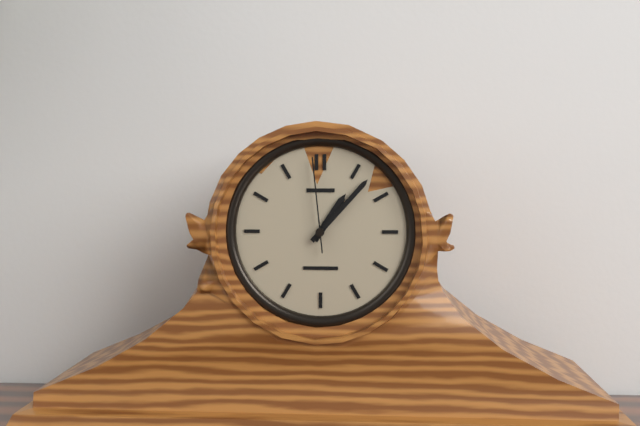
1:07:59
